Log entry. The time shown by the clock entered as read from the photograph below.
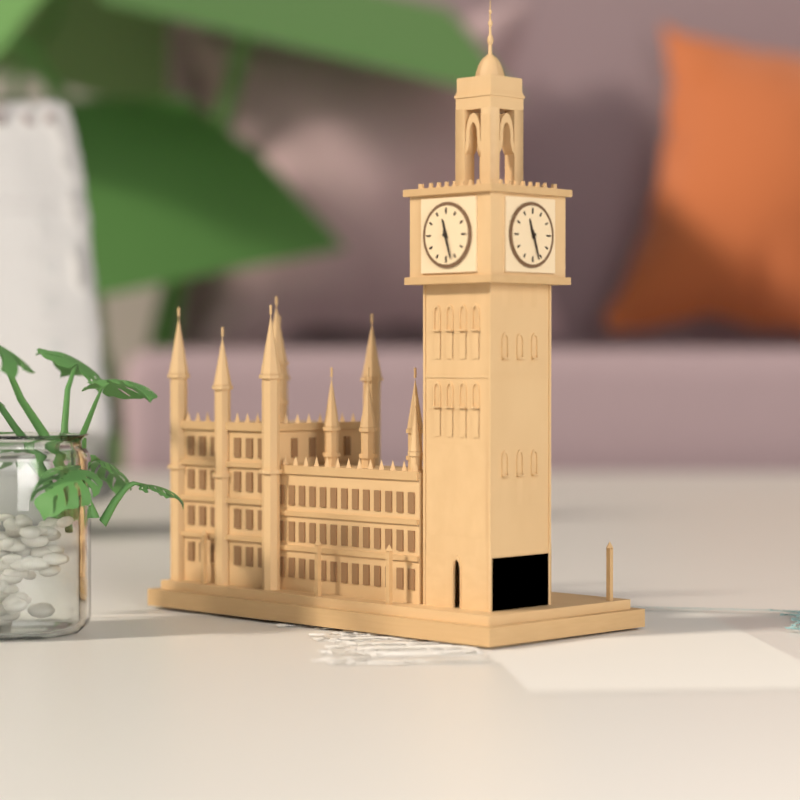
11:27
